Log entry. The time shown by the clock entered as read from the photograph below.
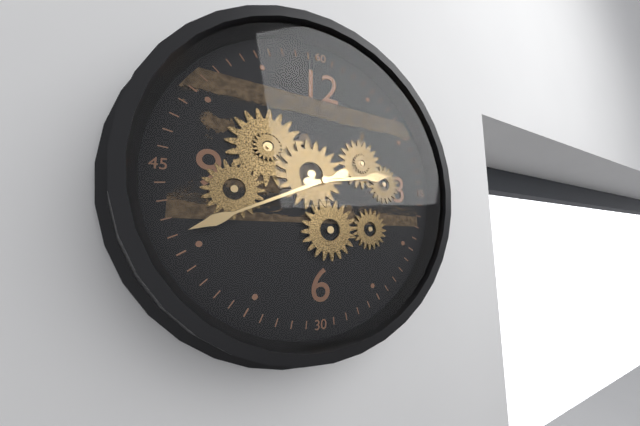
2:41
